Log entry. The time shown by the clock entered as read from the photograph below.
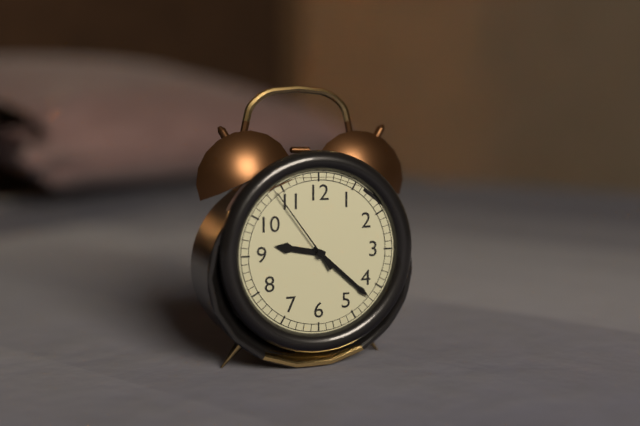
9:22:54
